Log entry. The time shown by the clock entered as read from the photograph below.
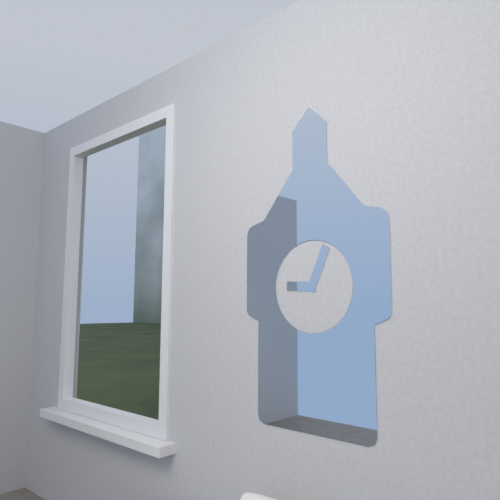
9:04
